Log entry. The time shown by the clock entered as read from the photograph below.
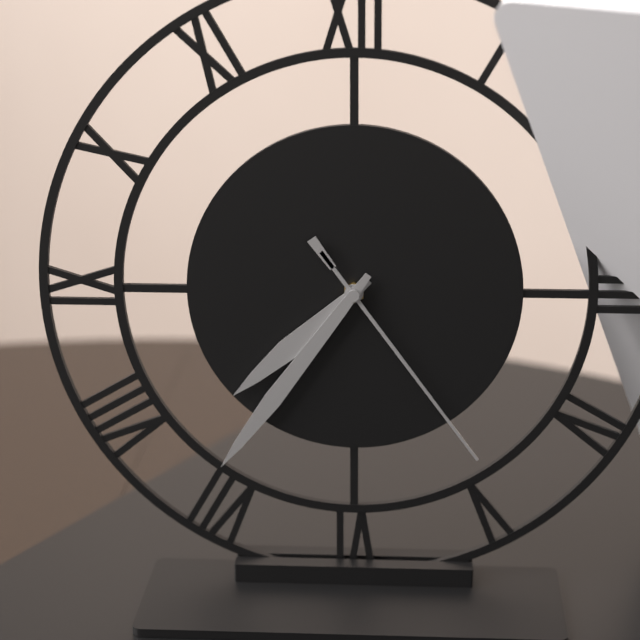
7:36:24
